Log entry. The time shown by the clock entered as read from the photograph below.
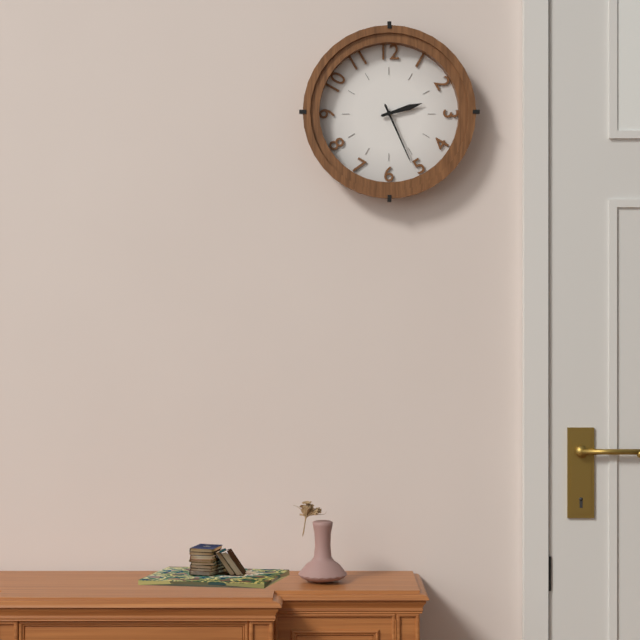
2:26
